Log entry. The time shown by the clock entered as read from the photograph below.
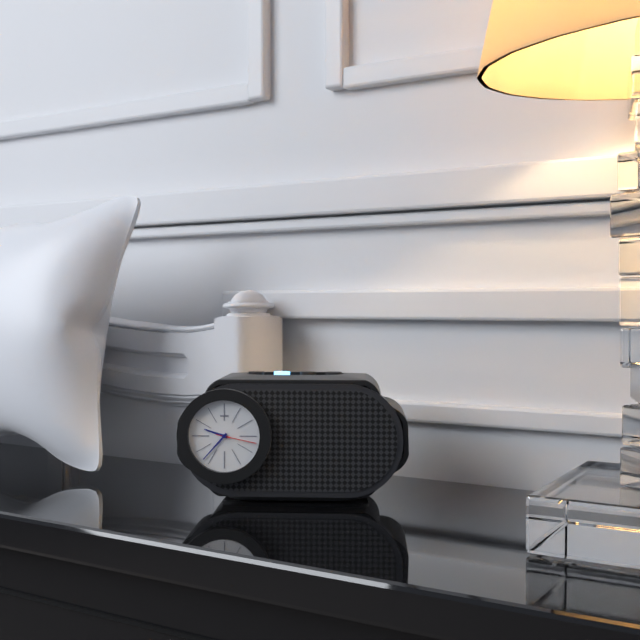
9:37
